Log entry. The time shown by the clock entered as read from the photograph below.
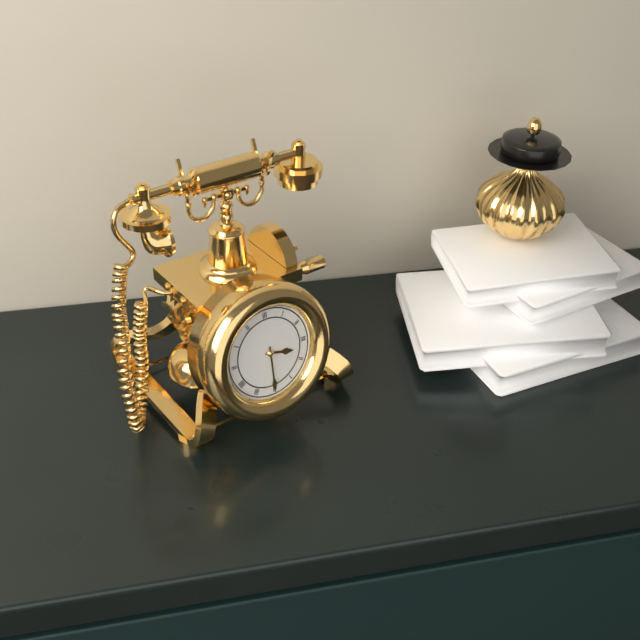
3:30
